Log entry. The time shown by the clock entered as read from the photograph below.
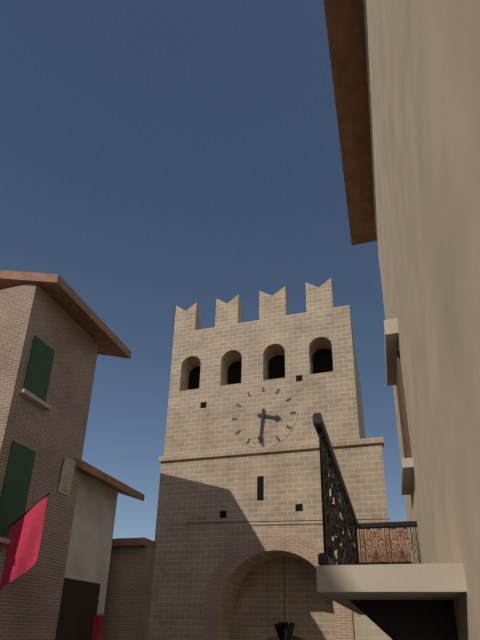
3:31
